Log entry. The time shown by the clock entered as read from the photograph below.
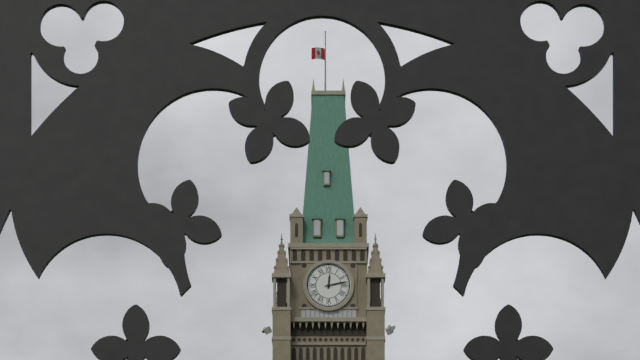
12:13
